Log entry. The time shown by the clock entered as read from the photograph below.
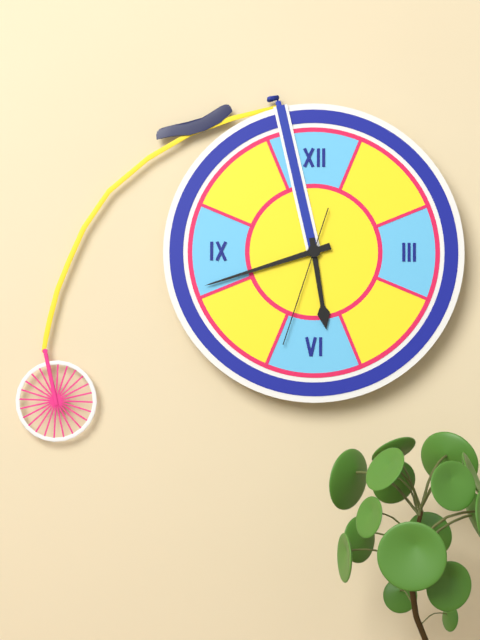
5:42:33
